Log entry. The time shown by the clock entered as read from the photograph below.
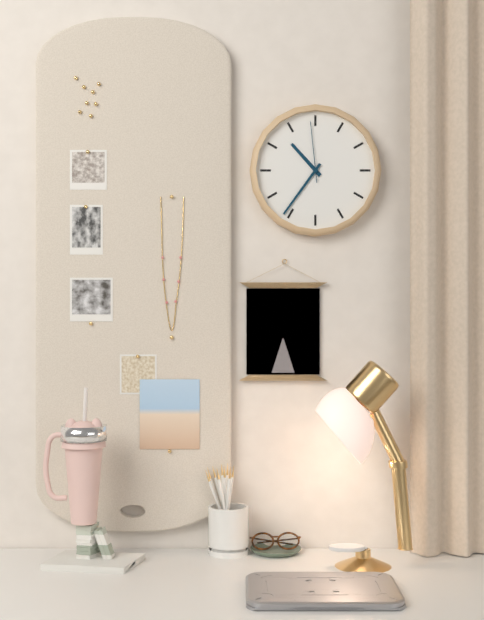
10:36:59
